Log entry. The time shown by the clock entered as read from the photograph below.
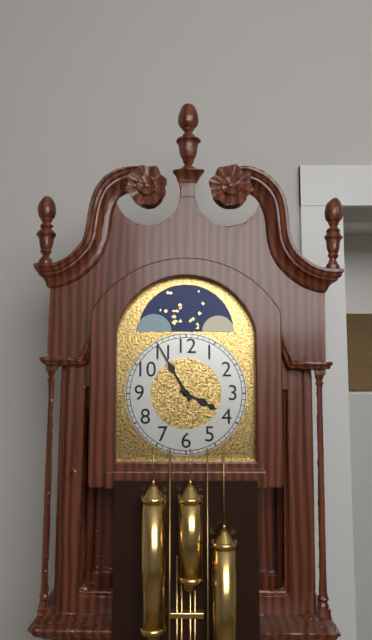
3:55
